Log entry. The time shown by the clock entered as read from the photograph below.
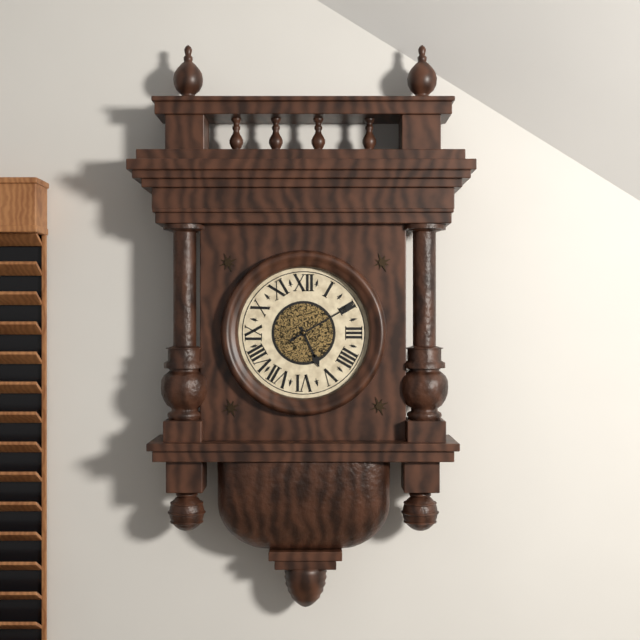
5:10
